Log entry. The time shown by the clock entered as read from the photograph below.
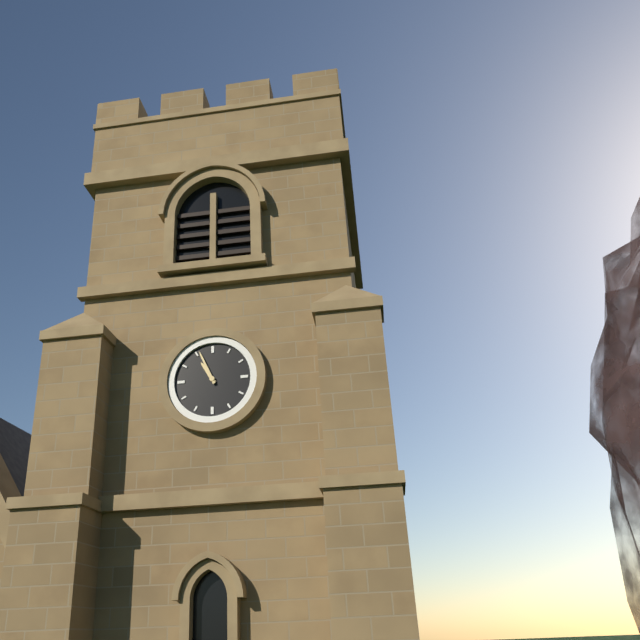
10:56
